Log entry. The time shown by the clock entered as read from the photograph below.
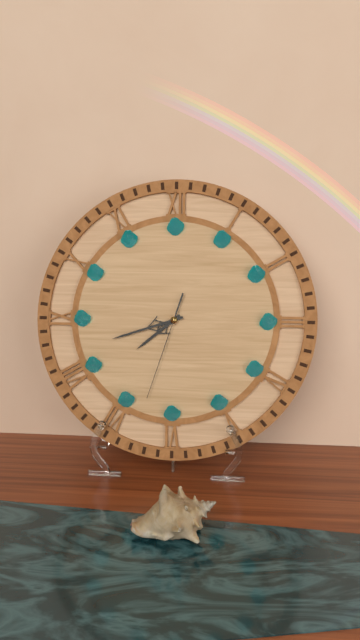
7:42:33
